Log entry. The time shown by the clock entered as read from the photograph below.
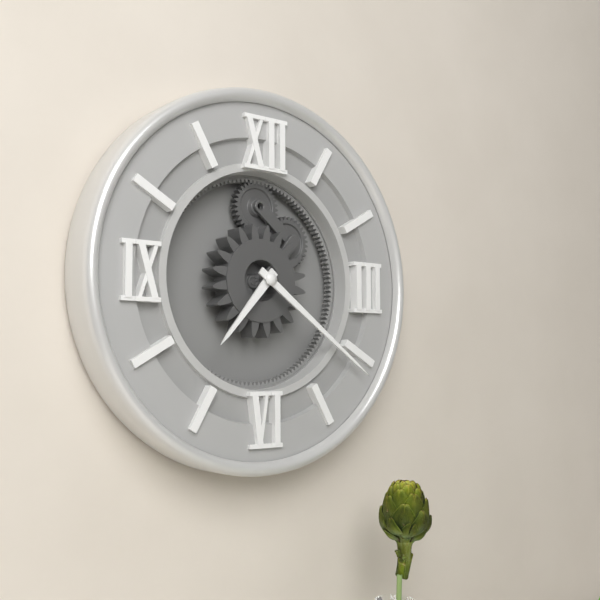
7:21
